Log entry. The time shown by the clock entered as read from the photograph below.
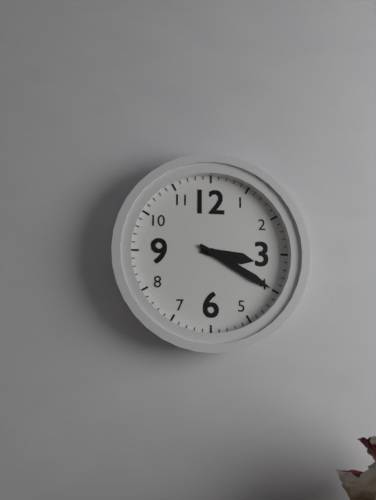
3:20
